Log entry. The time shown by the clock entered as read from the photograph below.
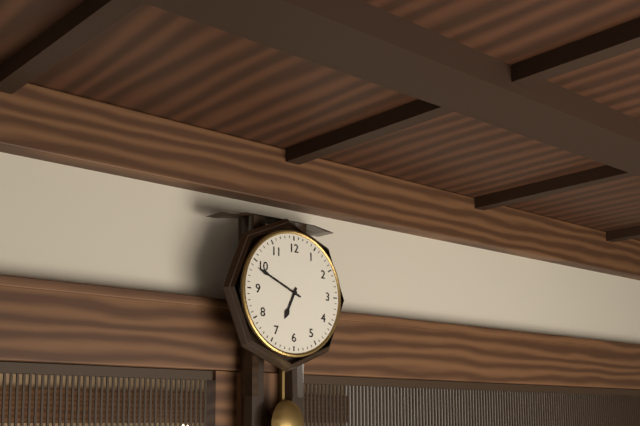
6:49
